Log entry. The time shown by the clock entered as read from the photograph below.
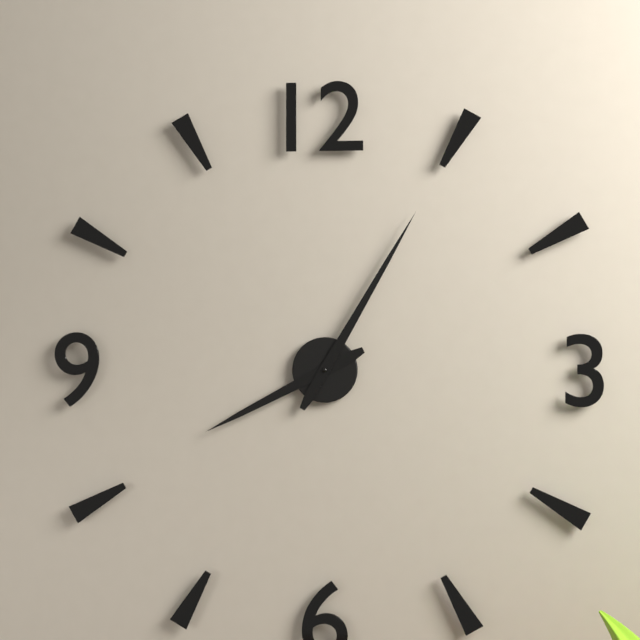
8:05
